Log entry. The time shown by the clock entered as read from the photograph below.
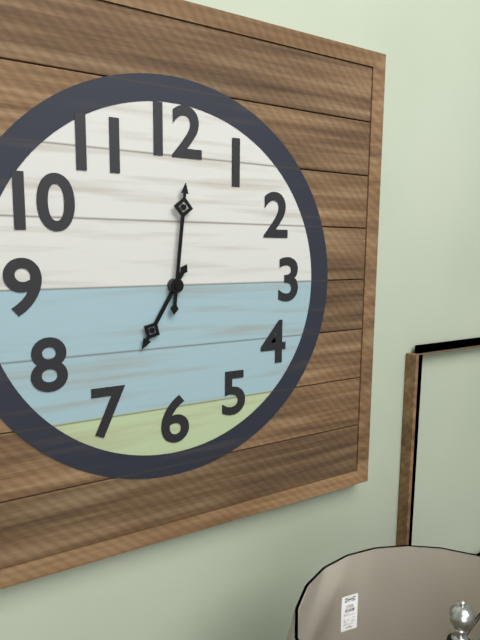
7:01
